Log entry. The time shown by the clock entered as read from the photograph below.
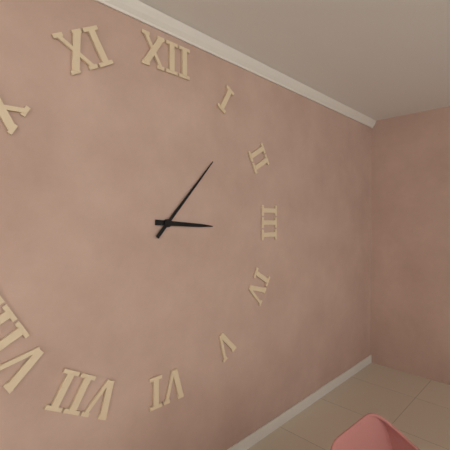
3:07
